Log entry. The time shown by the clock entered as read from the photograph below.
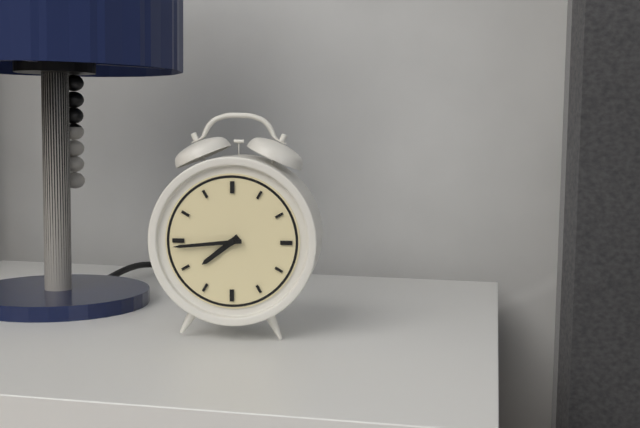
7:44
